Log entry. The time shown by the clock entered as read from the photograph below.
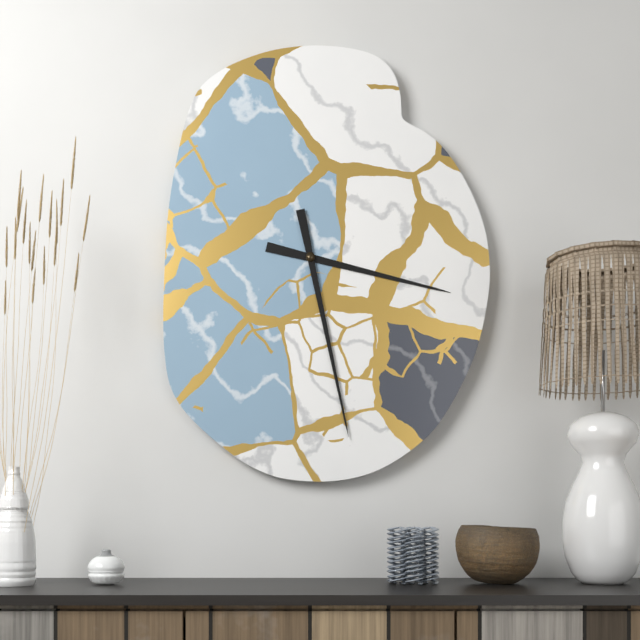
3:28
